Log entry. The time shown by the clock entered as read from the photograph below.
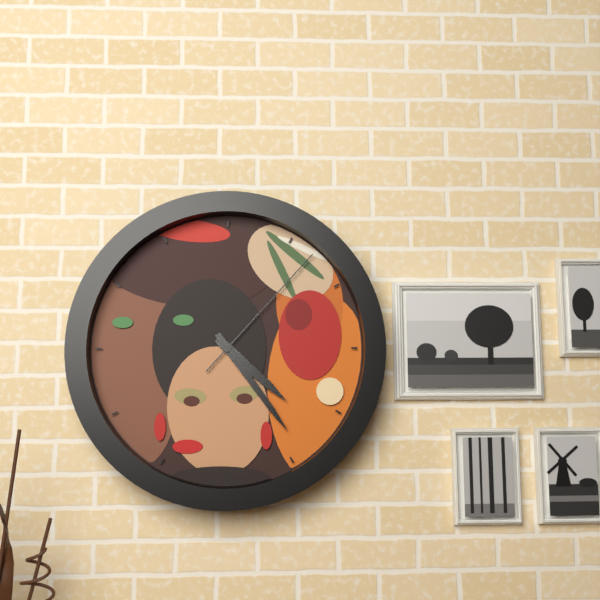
4:24:07
